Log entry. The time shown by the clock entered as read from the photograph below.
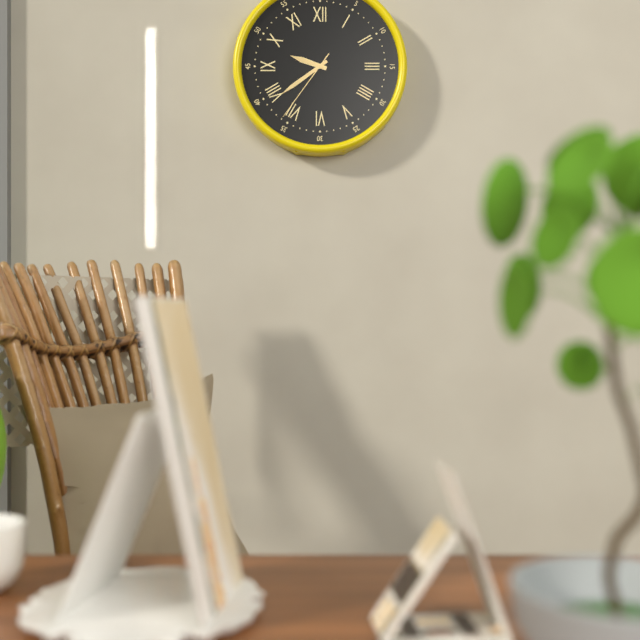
9:39:36
